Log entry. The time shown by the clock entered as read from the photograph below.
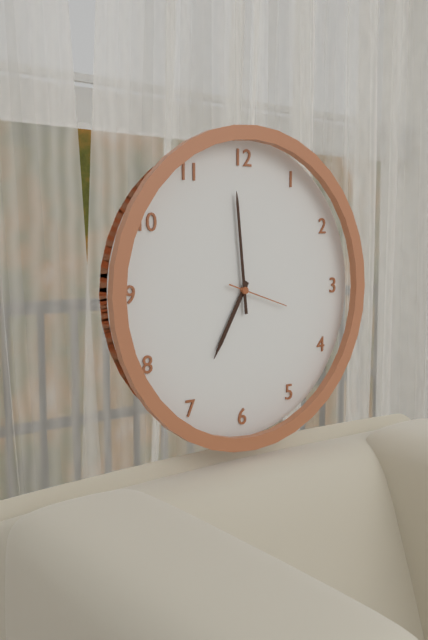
6:59:18
